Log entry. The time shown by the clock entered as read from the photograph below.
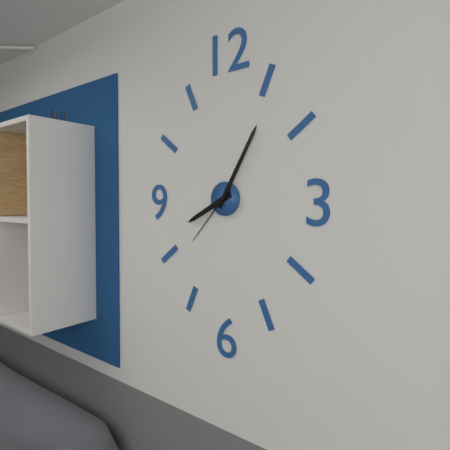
8:05:37
